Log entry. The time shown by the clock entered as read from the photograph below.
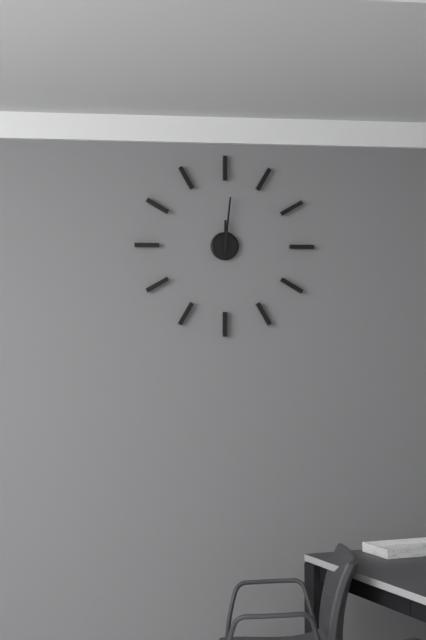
12:01
